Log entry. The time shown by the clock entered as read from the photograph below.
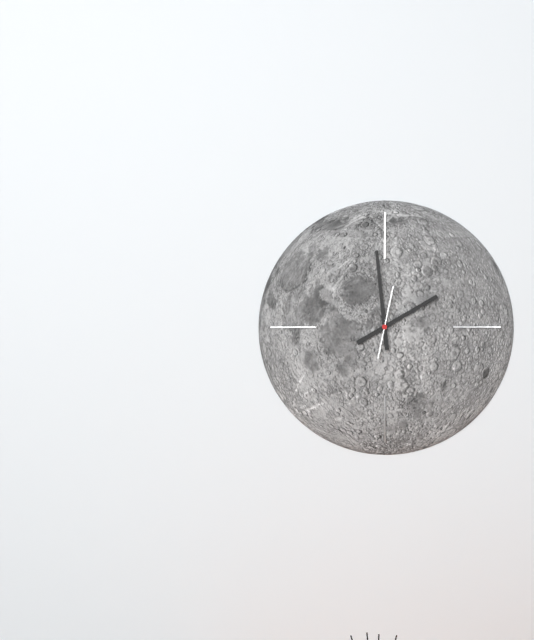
1:59:02
